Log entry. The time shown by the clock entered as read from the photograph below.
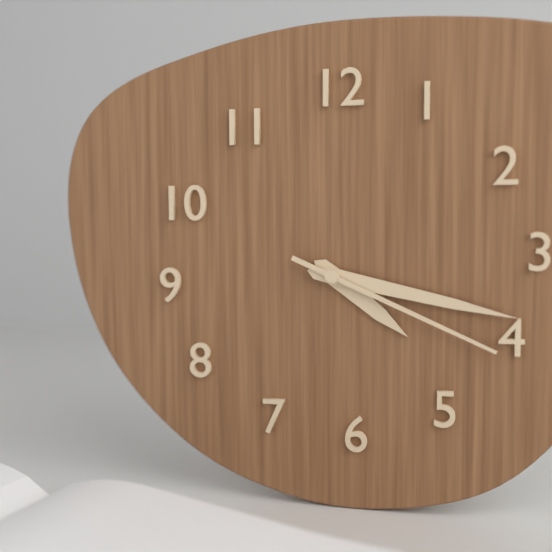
4:17:19
